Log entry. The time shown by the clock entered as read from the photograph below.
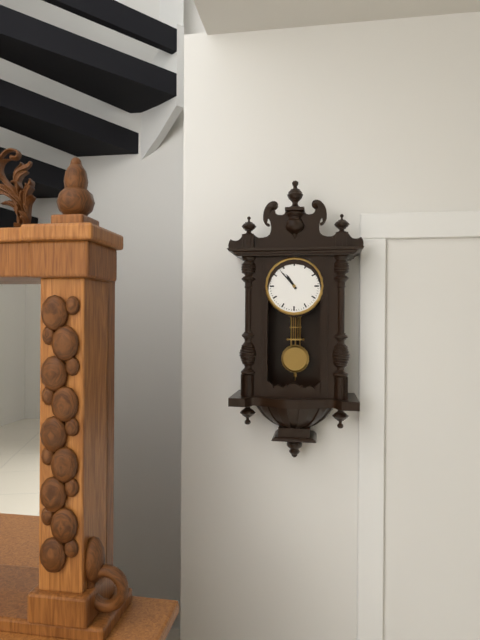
10:53
